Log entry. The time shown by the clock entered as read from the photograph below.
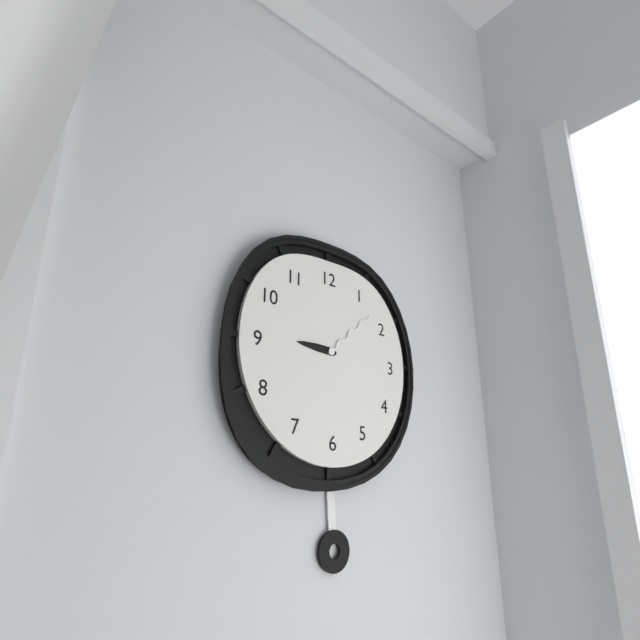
9:08
